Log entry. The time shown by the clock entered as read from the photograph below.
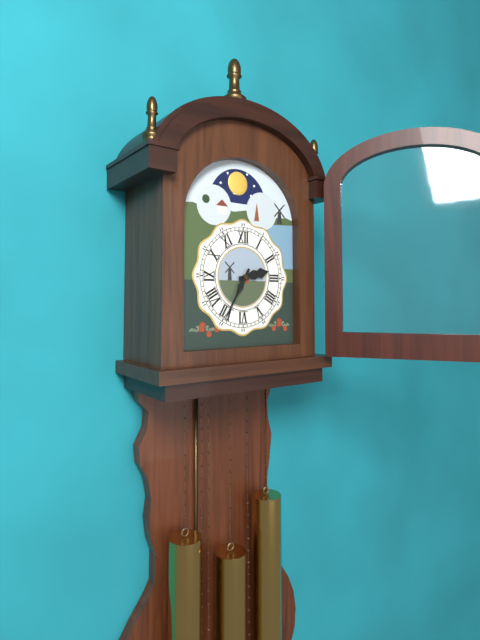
2:35
